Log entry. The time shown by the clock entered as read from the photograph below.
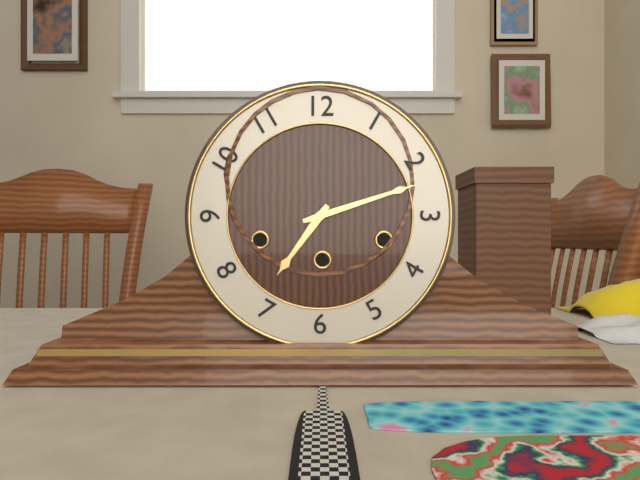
7:12
